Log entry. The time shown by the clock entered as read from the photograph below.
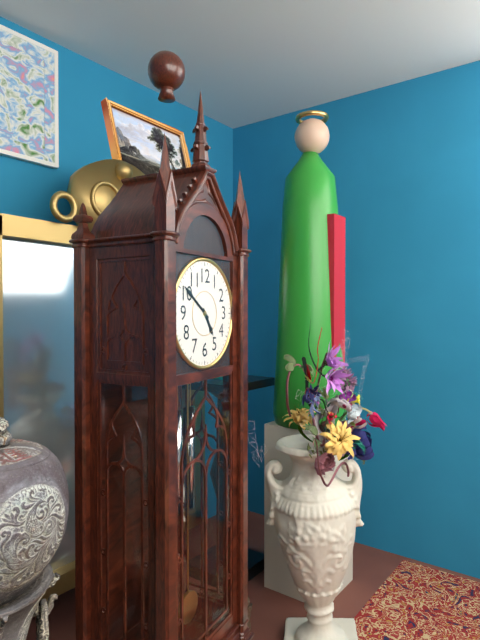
4:51
